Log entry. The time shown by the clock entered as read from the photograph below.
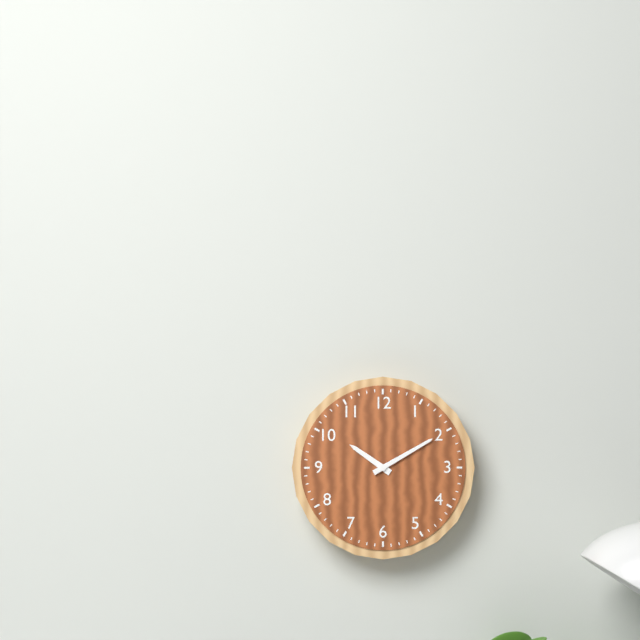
10:10
